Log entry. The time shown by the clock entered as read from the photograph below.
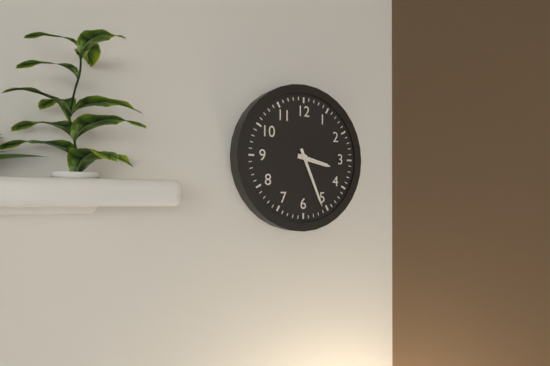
3:26
